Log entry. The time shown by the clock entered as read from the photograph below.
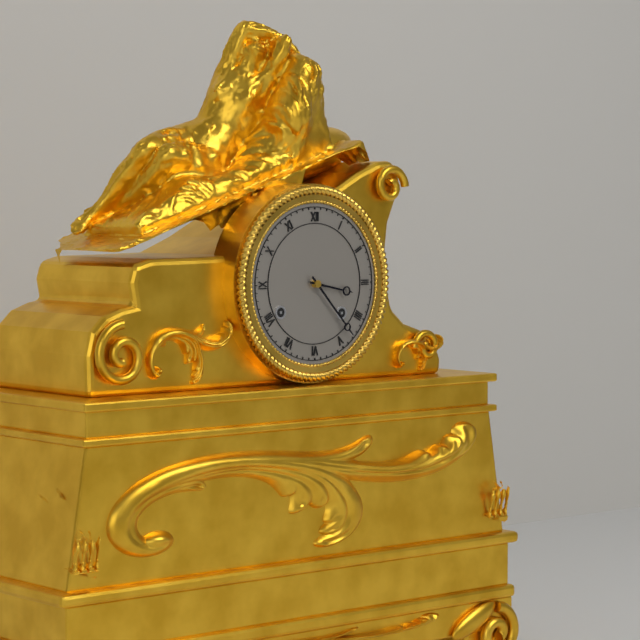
3:23
